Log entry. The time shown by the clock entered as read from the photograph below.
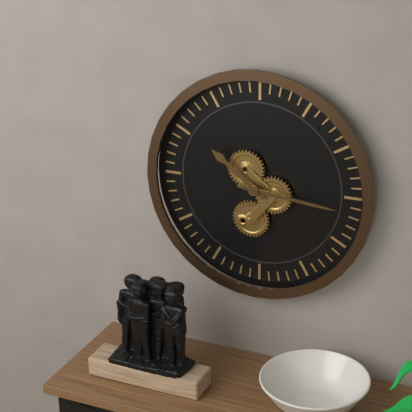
10:16
